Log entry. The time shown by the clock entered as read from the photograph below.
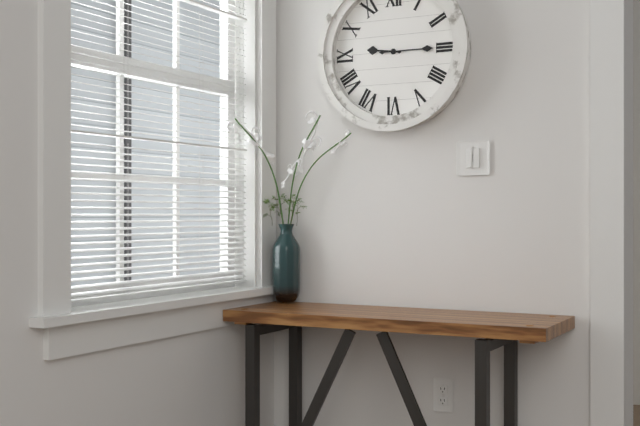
9:15
